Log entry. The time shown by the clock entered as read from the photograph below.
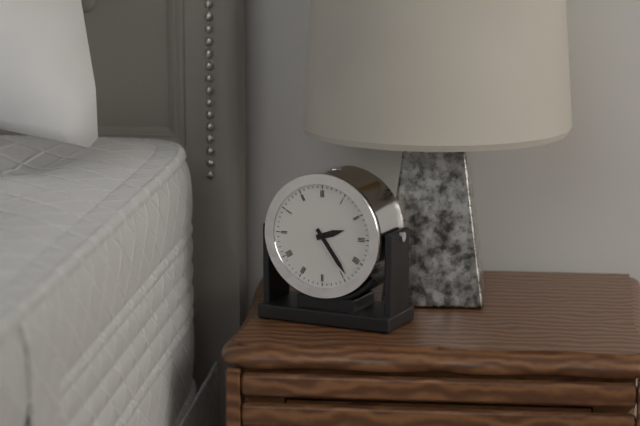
2:24
